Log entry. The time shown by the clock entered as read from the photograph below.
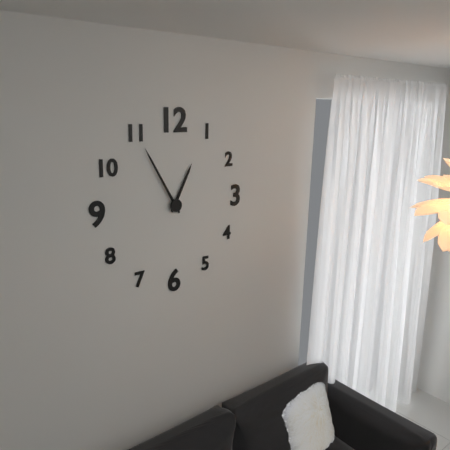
12:55
